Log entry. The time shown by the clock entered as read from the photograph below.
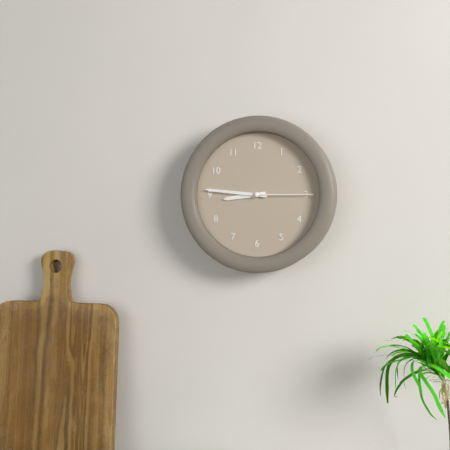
8:46:15
